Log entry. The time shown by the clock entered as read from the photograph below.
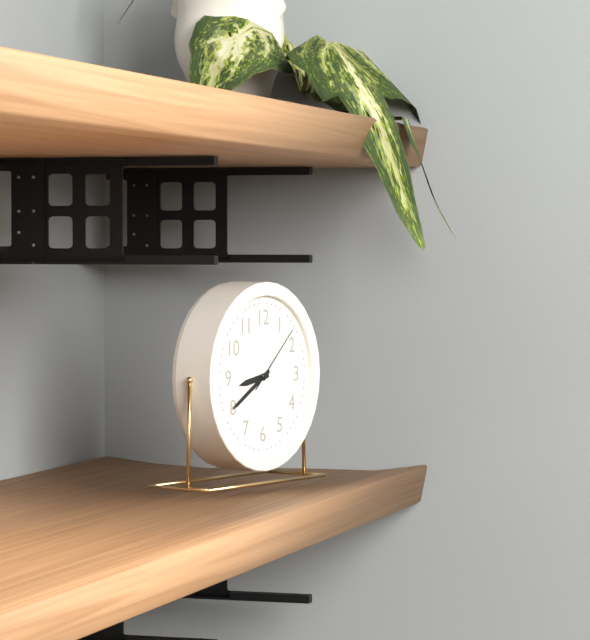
8:40:08
